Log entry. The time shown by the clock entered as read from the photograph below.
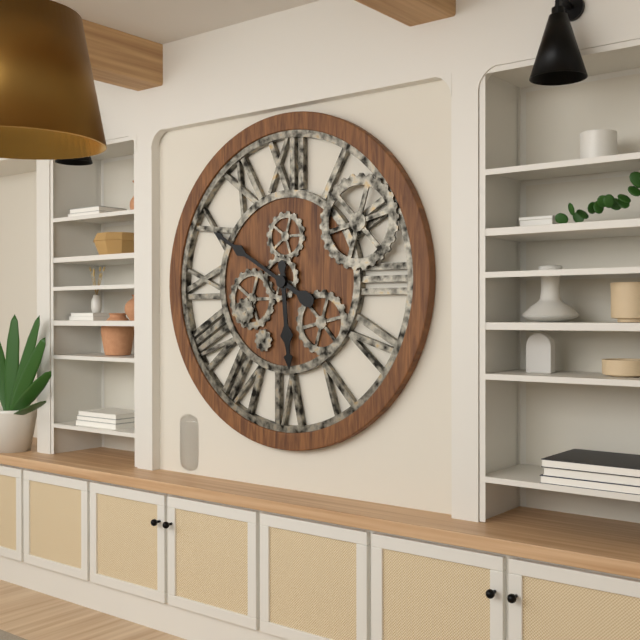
5:50
